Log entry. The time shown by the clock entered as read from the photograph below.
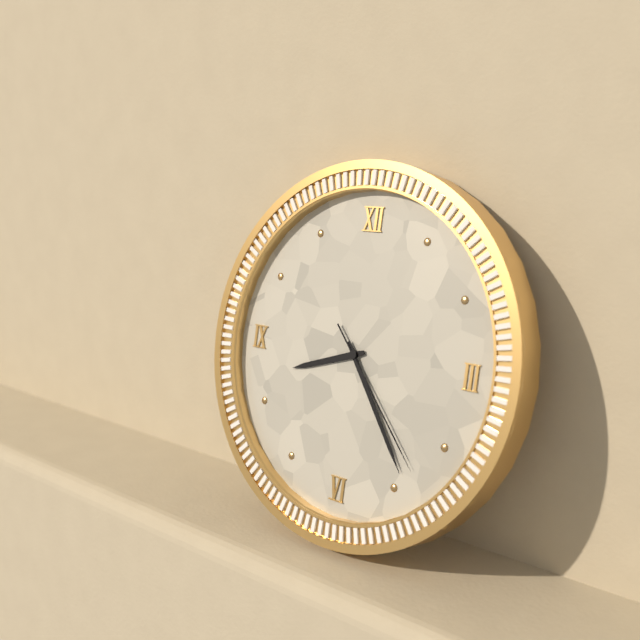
8:24:23
